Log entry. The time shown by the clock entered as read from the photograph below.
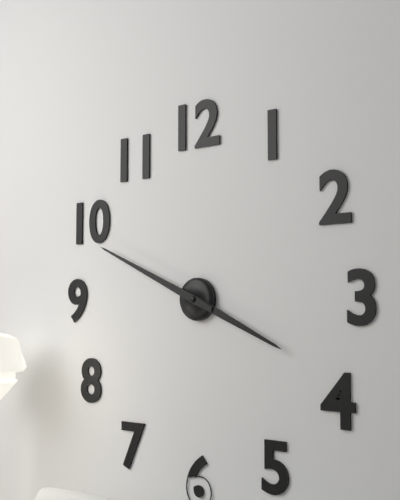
3:49
